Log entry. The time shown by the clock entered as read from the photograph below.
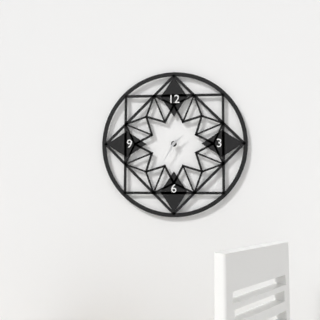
1:35
